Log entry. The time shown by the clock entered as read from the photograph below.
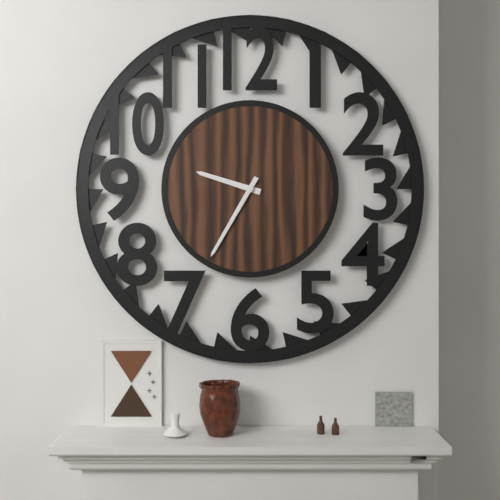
9:35
